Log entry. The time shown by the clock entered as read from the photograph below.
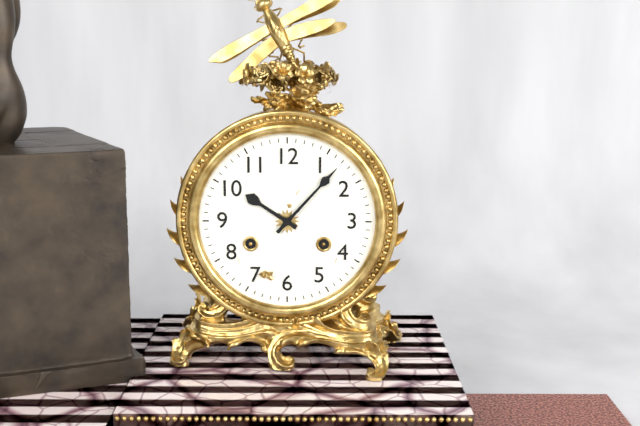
10:07
